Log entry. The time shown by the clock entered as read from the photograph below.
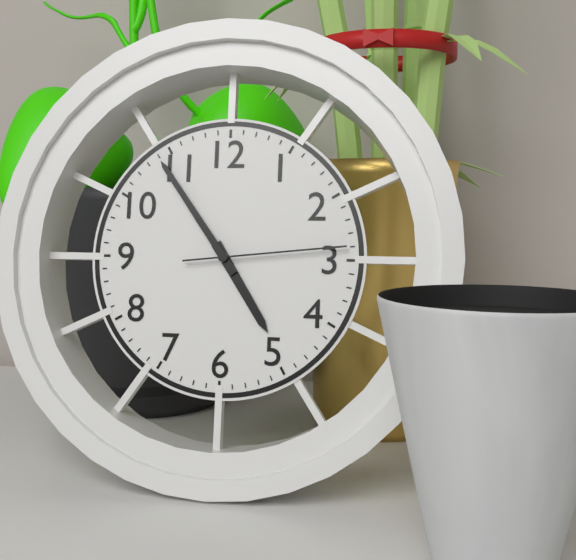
4:54:14
